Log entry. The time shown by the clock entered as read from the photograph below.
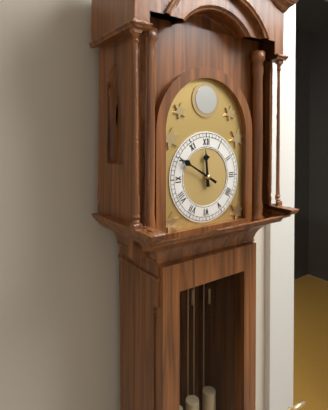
11:50
